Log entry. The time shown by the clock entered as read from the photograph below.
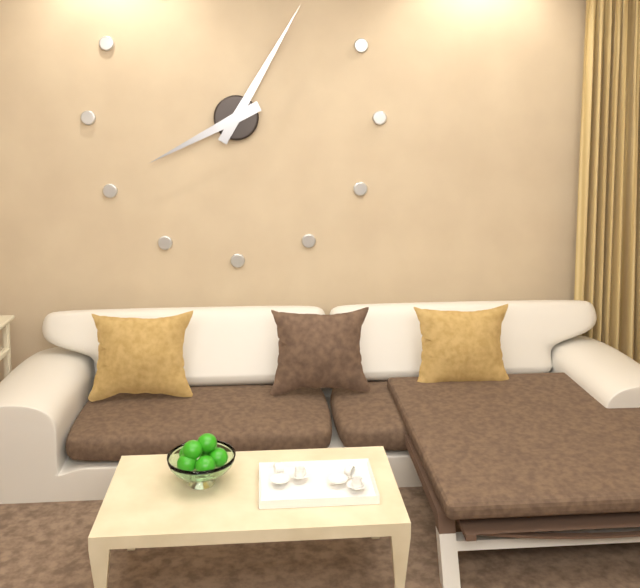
8:05
